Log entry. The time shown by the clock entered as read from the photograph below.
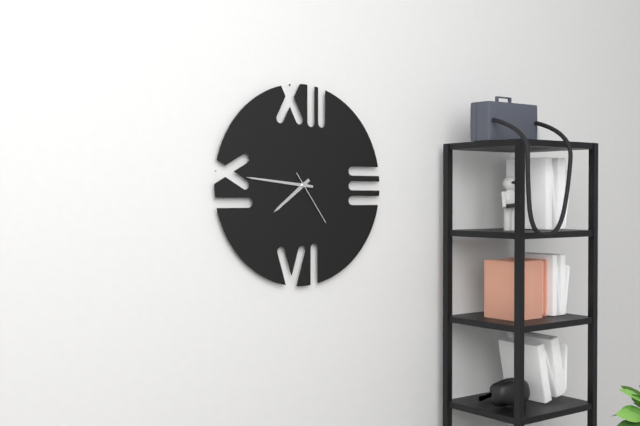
7:46:24
